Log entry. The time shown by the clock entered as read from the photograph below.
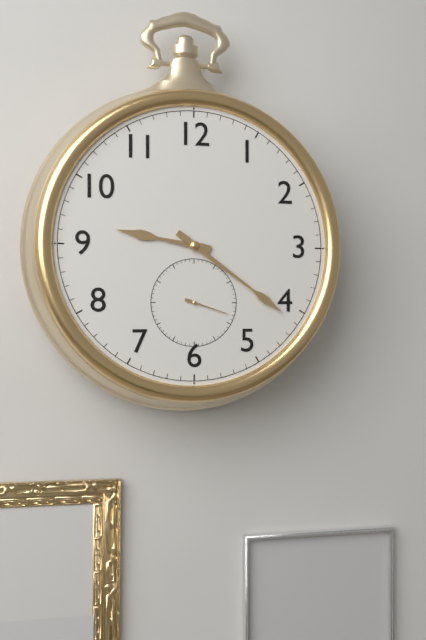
9:21
